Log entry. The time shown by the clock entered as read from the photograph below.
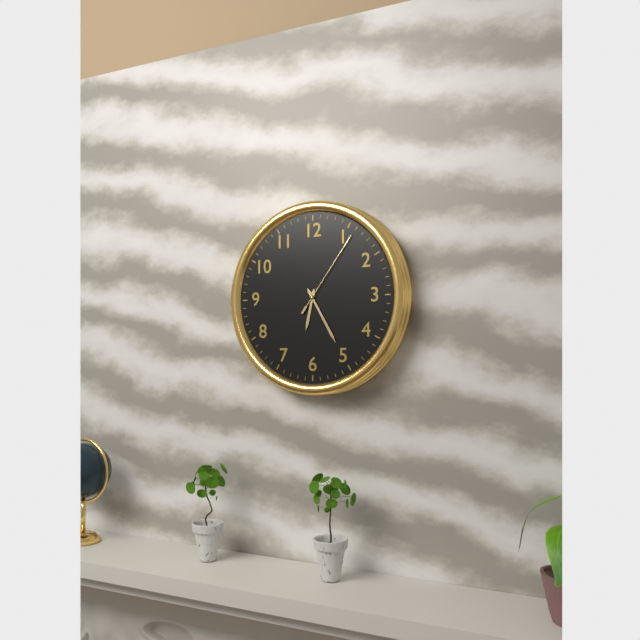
6:25:06
